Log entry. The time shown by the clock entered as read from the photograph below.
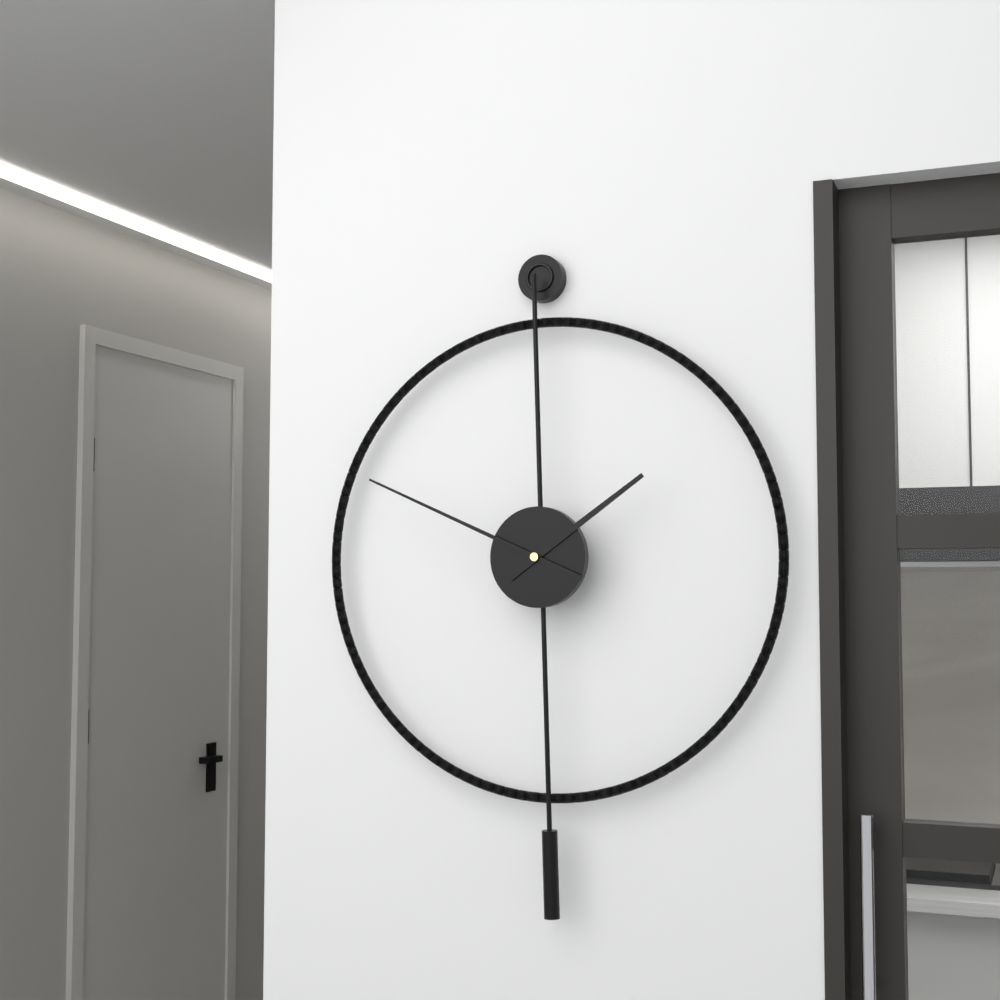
1:49
